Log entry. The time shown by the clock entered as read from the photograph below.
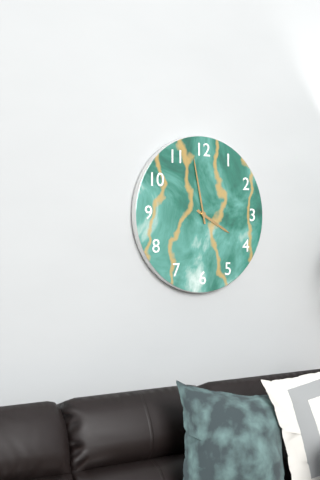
3:58
